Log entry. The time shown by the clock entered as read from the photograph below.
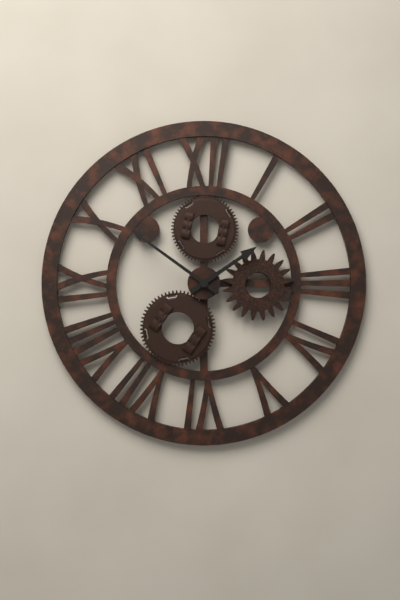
1:51
